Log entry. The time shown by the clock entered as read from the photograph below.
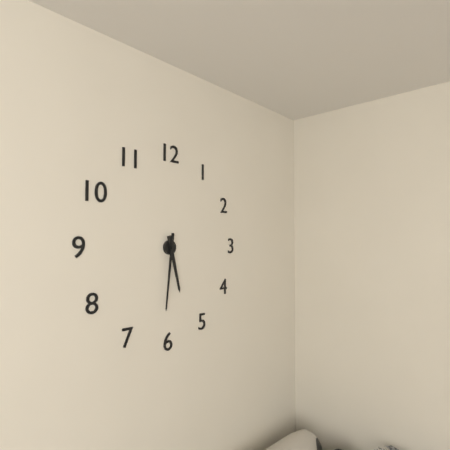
5:31
